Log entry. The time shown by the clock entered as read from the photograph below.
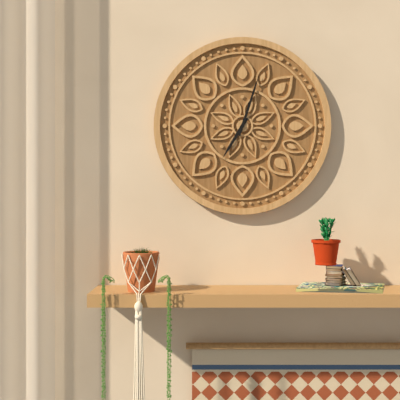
7:03
